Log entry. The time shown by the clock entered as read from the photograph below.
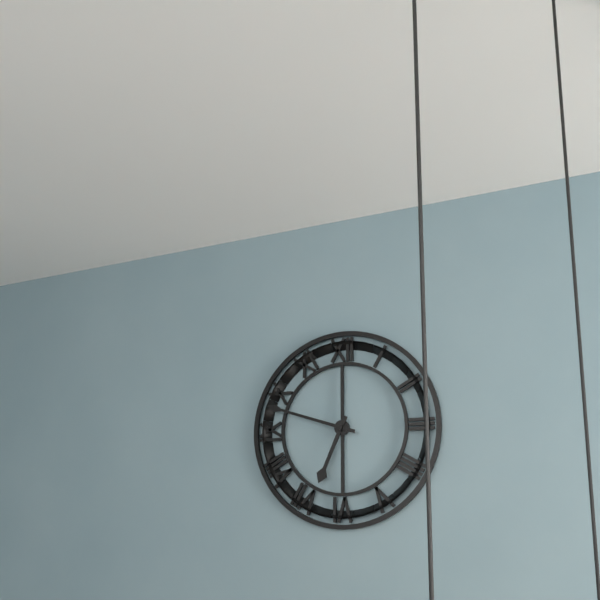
6:48
